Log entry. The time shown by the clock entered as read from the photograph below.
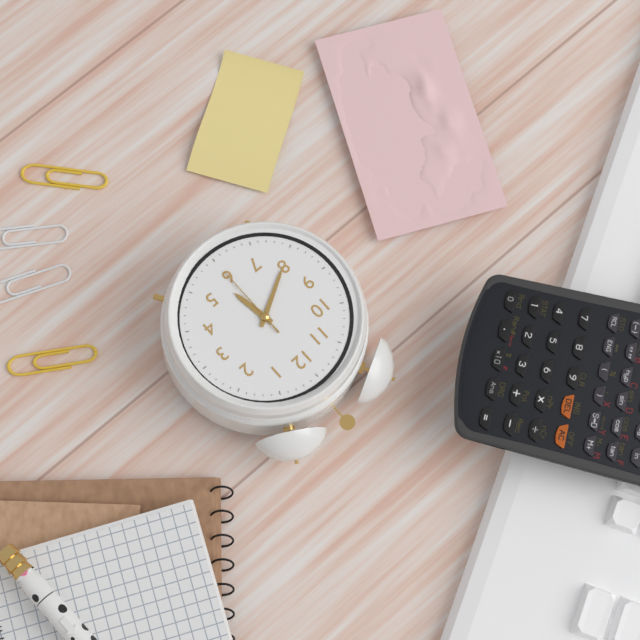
5:40:30
